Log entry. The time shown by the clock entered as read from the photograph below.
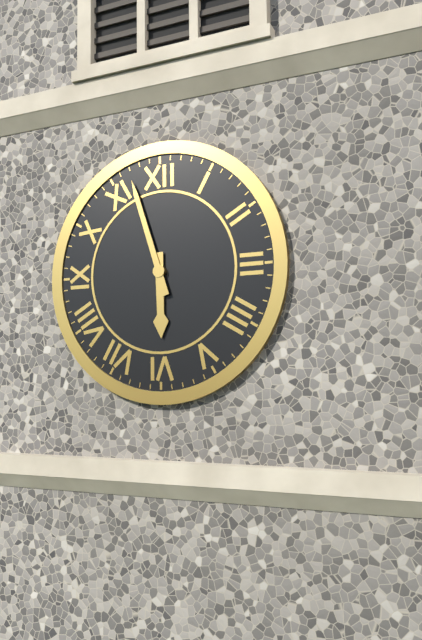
5:57
